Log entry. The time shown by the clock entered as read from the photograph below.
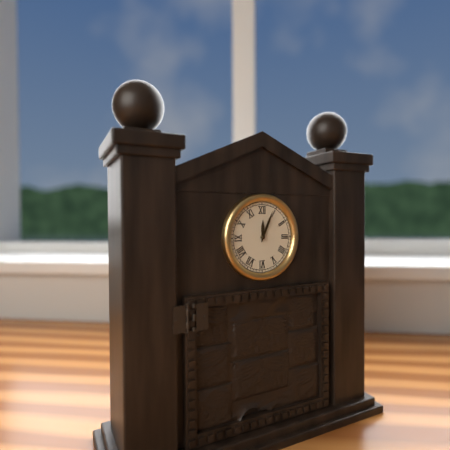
12:04
